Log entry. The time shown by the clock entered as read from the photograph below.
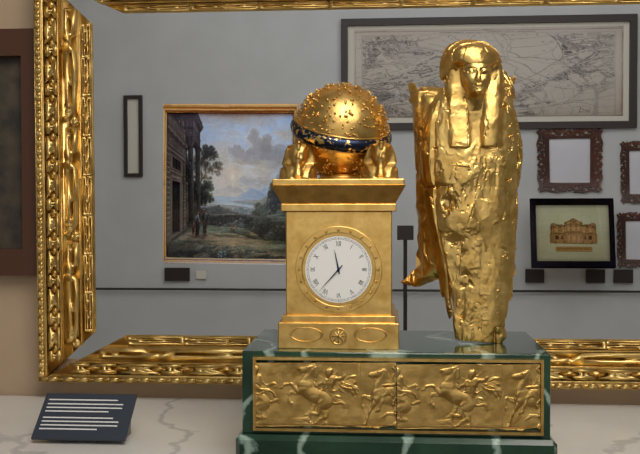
11:37
